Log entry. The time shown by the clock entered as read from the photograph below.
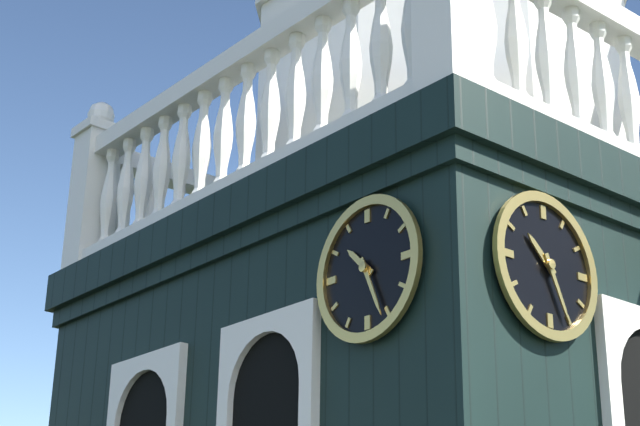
10:26
